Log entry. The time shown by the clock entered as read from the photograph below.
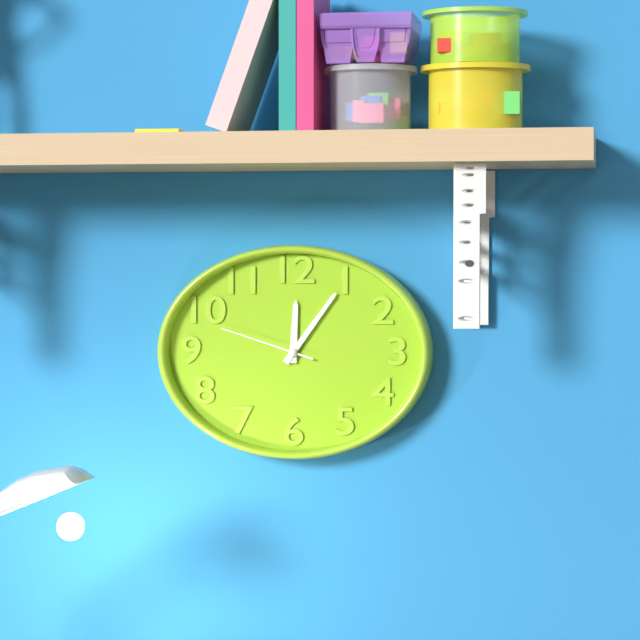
12:06:48
